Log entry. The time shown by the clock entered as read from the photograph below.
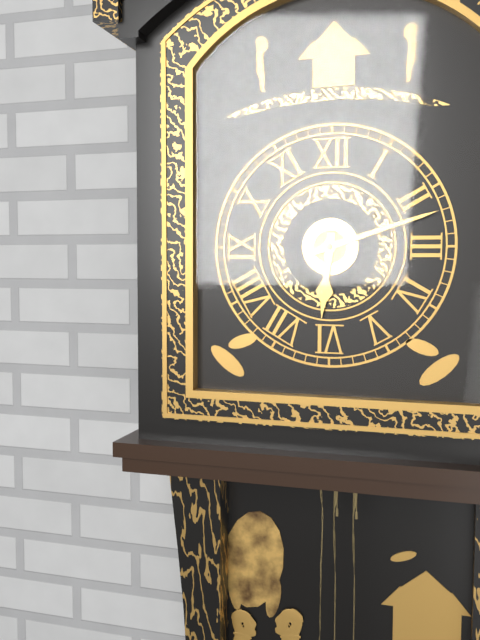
6:12
